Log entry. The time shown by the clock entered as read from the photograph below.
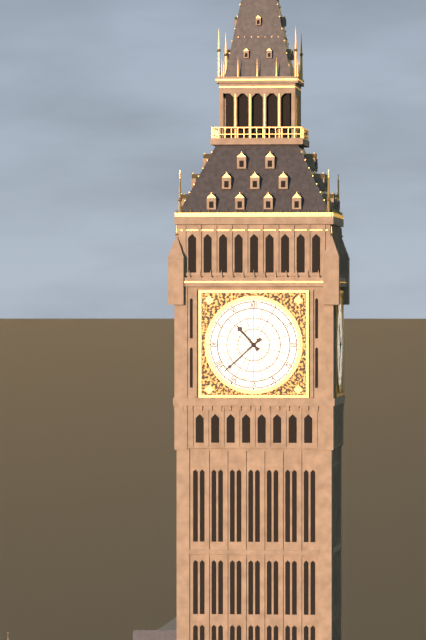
10:38
